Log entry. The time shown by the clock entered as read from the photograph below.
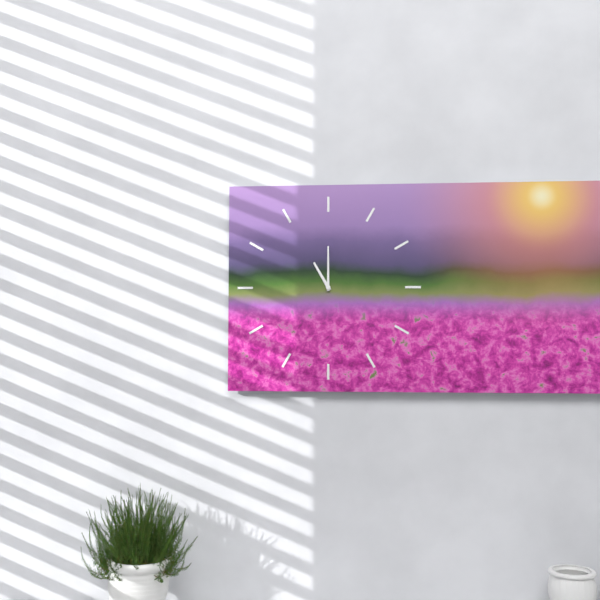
11:00
